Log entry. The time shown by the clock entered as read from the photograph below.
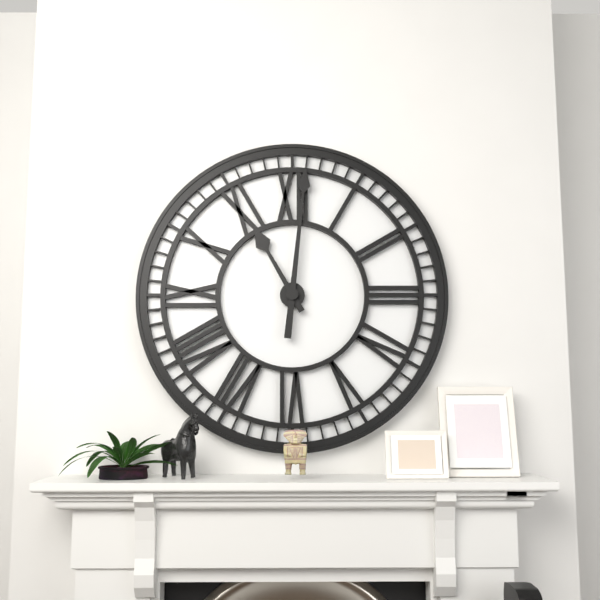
11:01
